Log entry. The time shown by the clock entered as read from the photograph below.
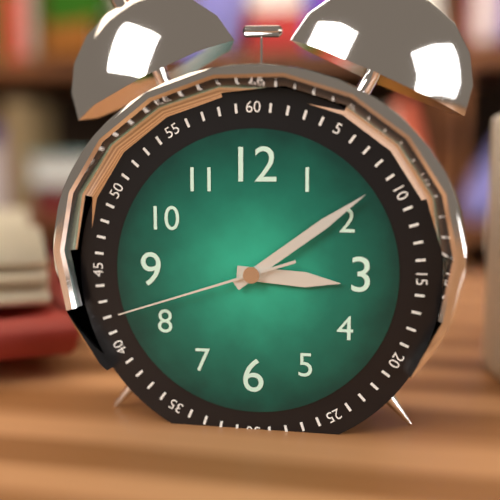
3:09:42
